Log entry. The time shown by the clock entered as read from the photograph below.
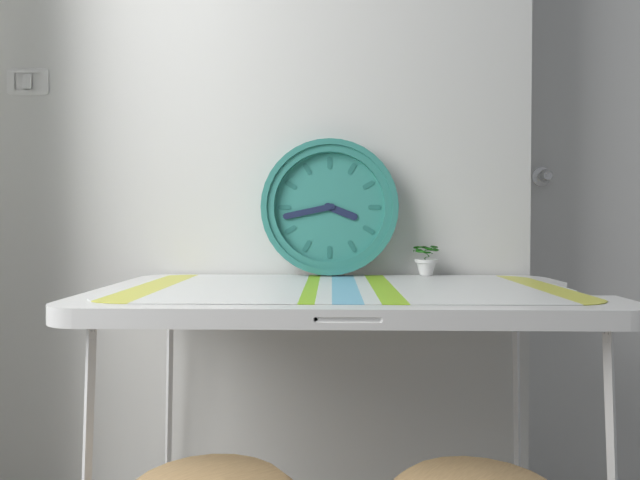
3:43
